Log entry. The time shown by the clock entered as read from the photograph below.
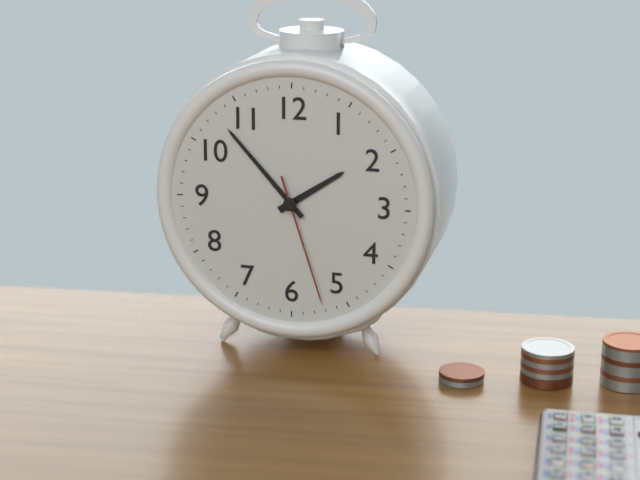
1:53:27
